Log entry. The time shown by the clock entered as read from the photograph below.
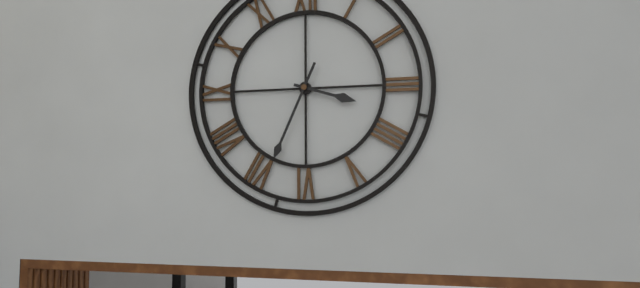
3:34
